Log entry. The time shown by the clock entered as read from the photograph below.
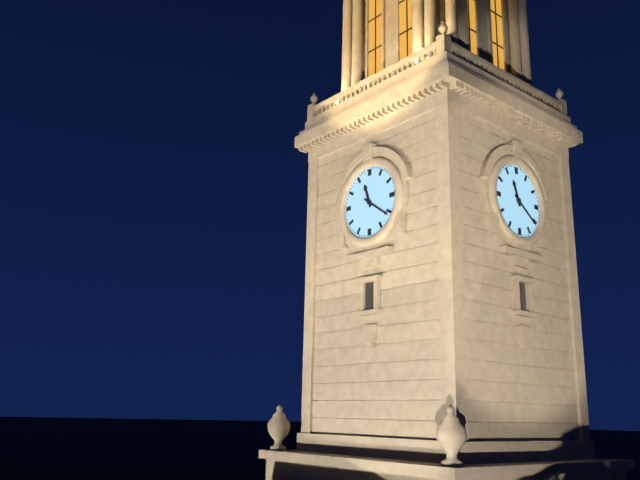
11:21
